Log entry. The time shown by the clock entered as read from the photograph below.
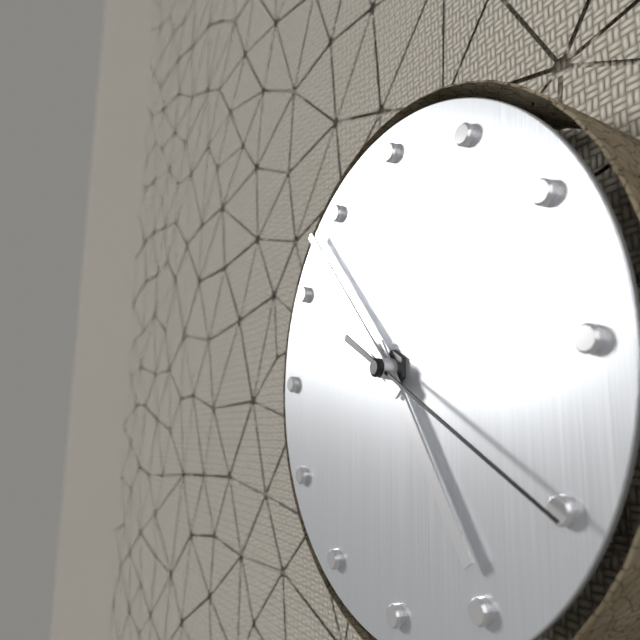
4:53:20
